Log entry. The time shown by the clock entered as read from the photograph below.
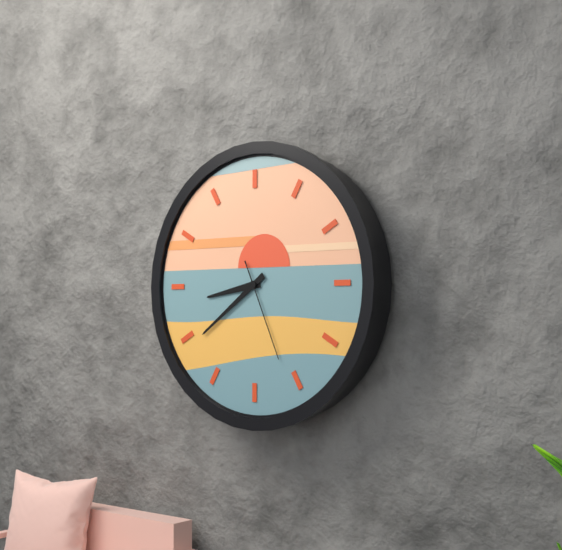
8:39:26
